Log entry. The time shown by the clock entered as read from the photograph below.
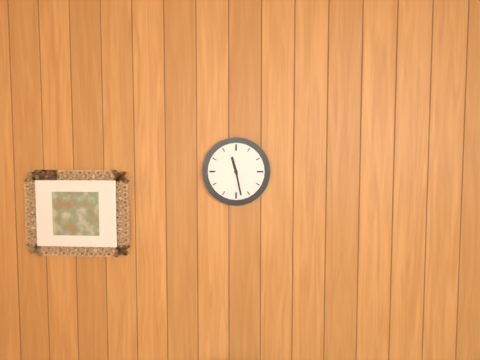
11:28
